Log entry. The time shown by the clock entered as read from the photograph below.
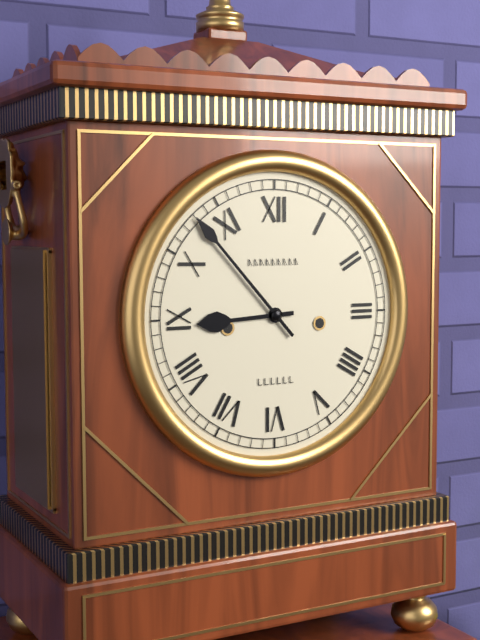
8:53
